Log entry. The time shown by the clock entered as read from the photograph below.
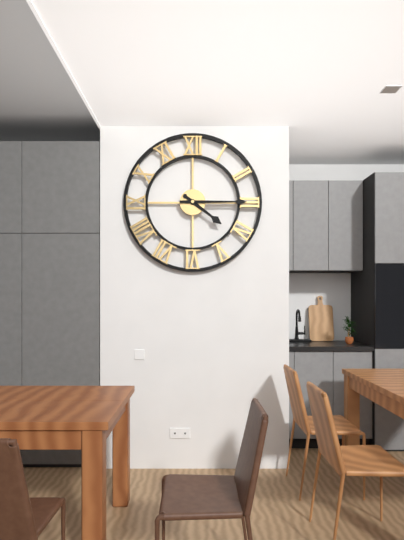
4:15
